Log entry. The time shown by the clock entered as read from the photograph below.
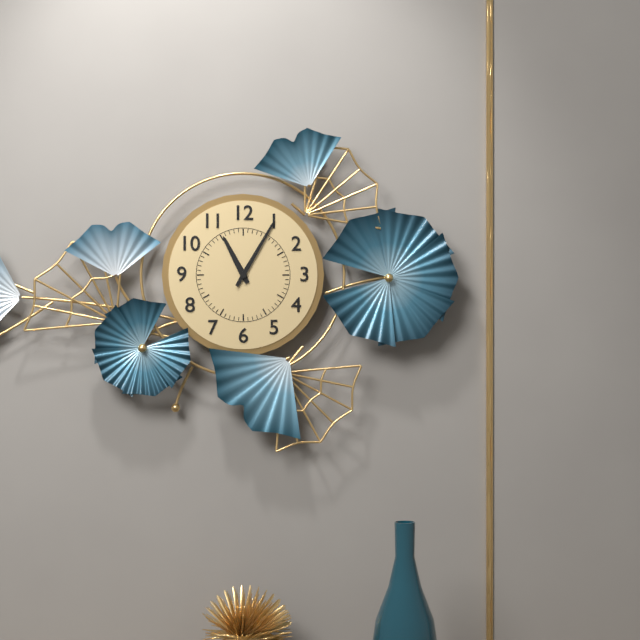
11:05
